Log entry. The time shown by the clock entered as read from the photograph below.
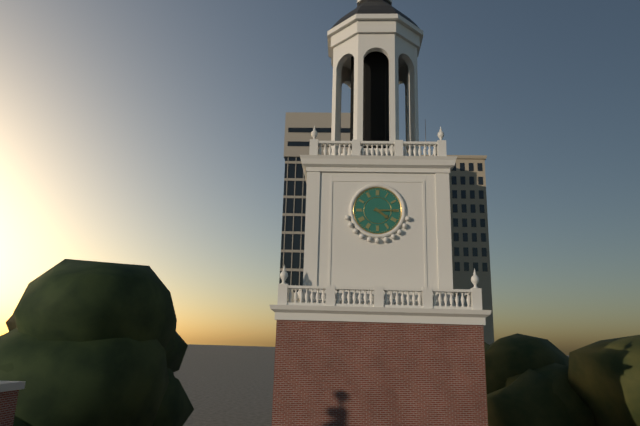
4:15
